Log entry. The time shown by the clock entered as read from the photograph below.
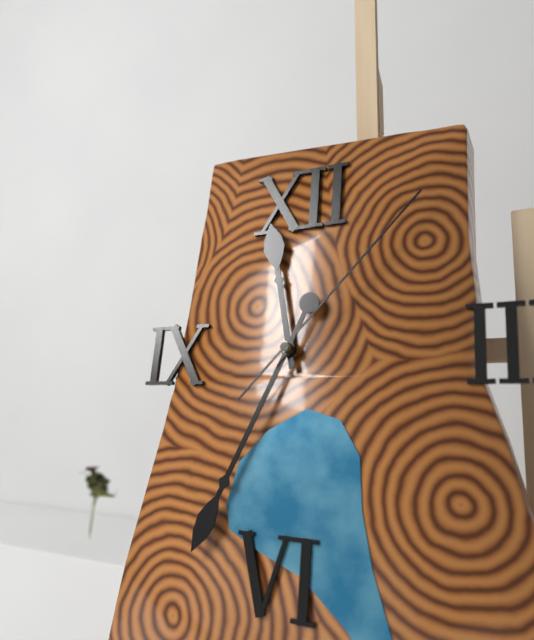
11:34:07
